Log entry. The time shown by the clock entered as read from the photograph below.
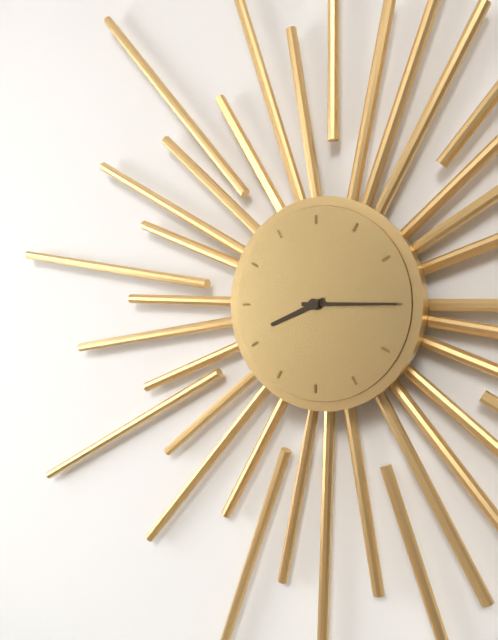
8:15
